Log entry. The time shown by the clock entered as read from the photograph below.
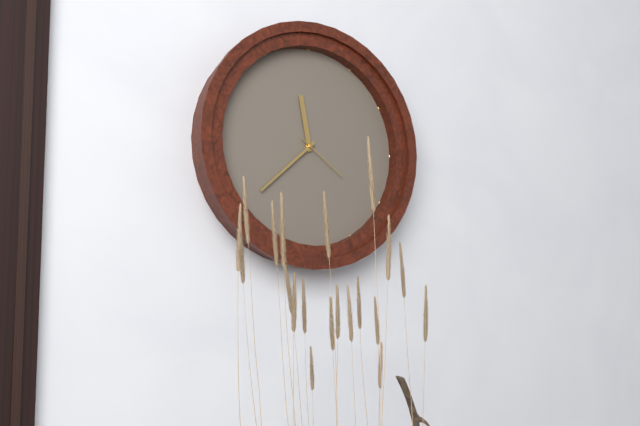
11:38:21
